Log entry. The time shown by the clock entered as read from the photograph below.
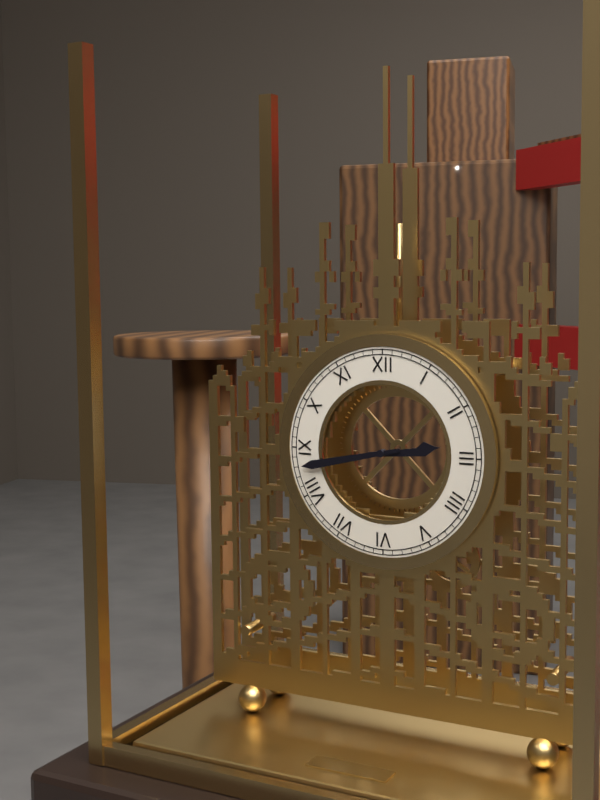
2:43
